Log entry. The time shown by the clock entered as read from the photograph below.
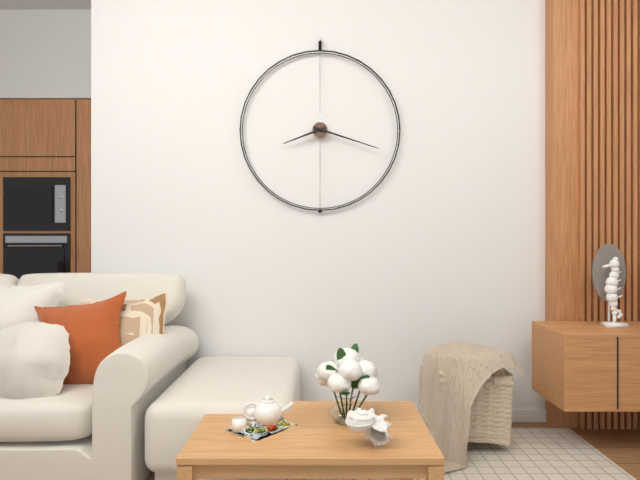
8:18
